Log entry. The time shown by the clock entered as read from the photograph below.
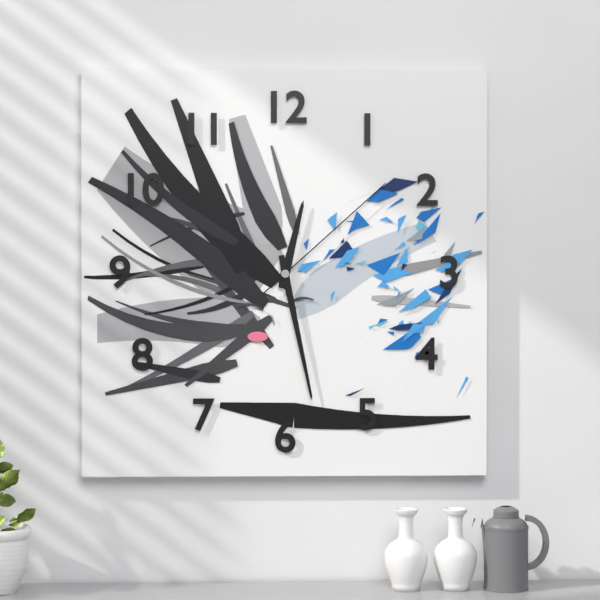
12:28:08
